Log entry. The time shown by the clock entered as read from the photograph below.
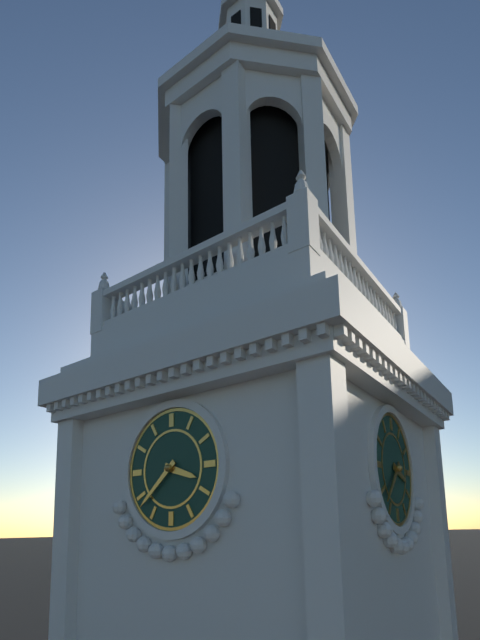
3:38
